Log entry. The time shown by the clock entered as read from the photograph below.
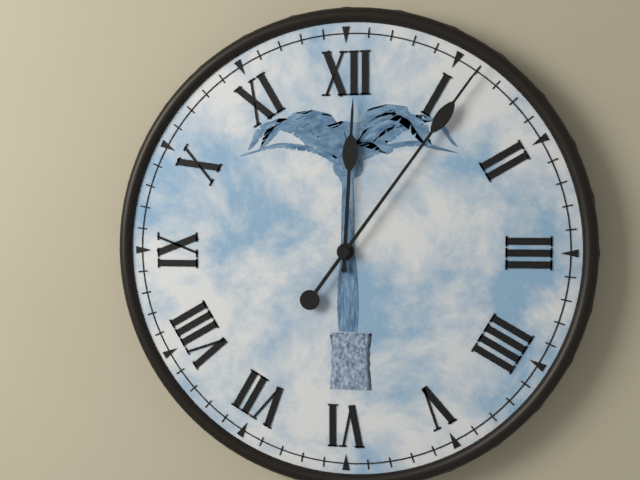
12:06
